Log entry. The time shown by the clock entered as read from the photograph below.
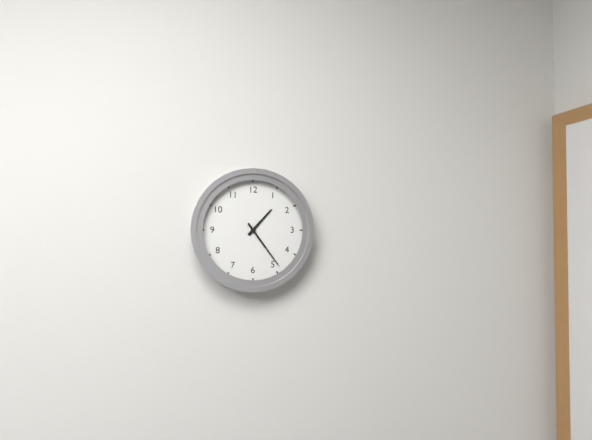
1:24
